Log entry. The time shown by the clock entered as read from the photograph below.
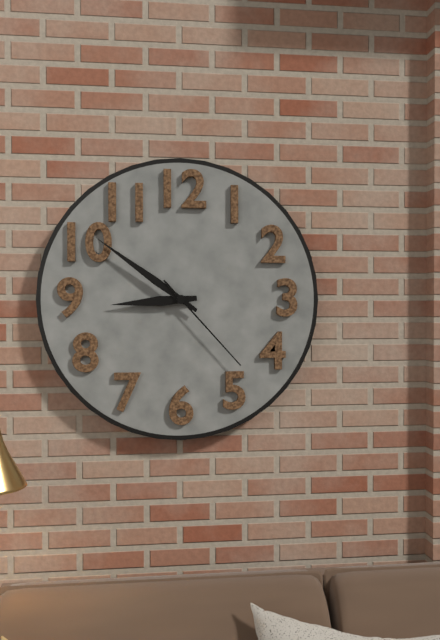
8:51:23
